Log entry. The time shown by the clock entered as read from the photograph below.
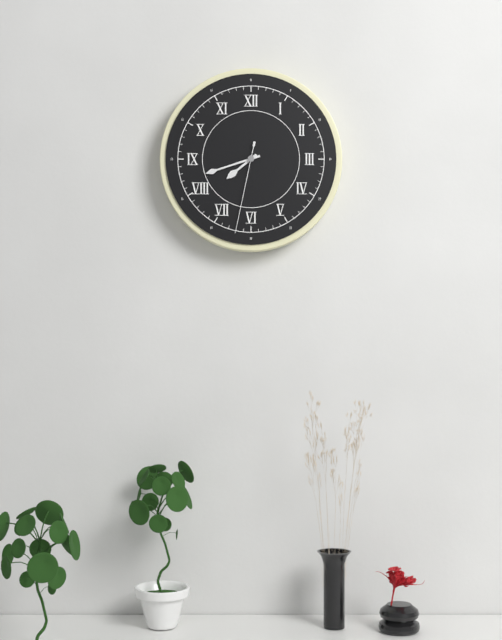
7:42:32
